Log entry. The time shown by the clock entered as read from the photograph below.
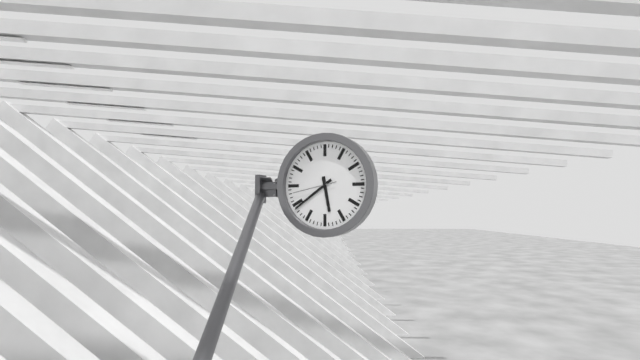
5:39
